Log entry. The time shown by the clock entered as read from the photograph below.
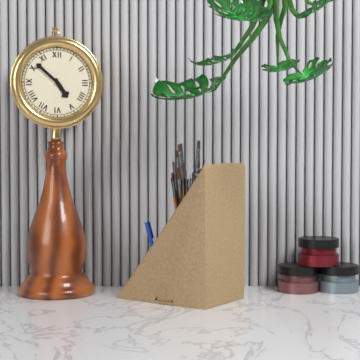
4:52
